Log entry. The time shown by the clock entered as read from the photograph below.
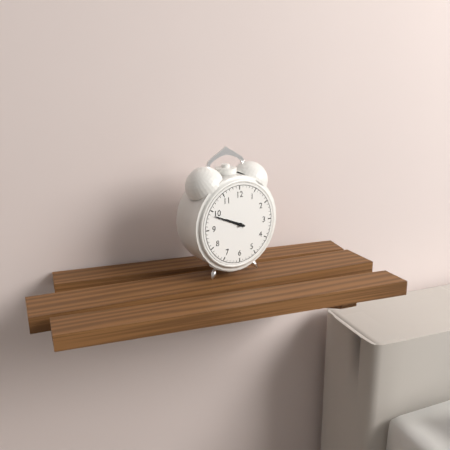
9:49
